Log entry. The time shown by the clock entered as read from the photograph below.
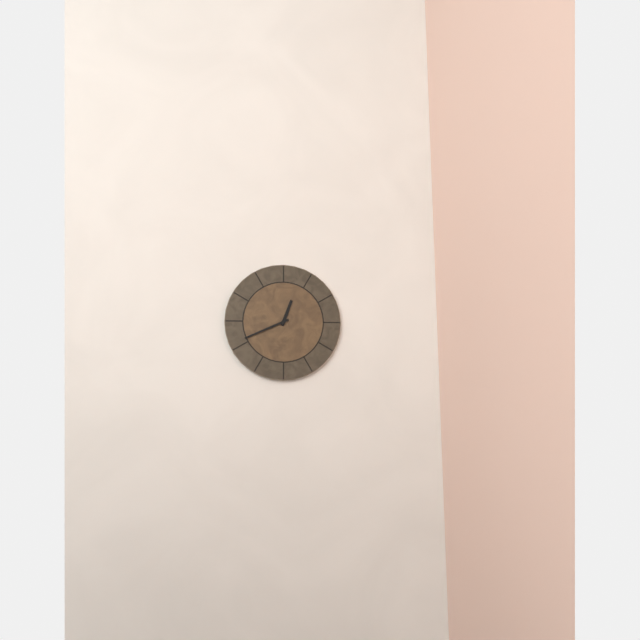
12:41
